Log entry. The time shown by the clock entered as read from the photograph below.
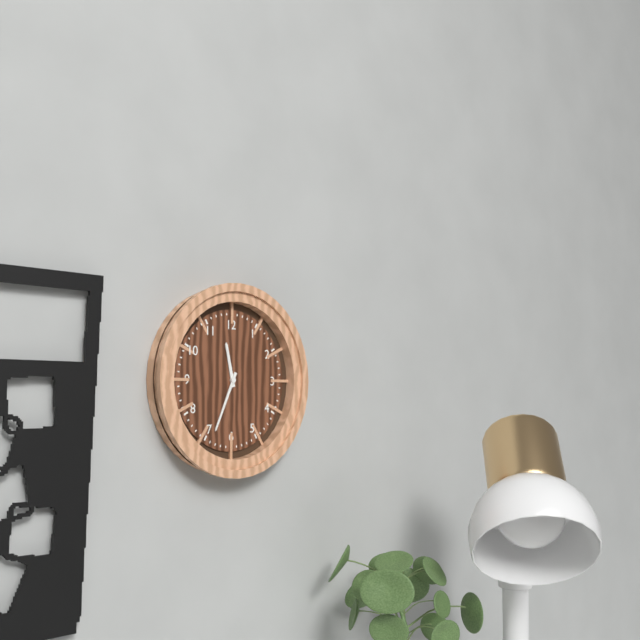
11:34
